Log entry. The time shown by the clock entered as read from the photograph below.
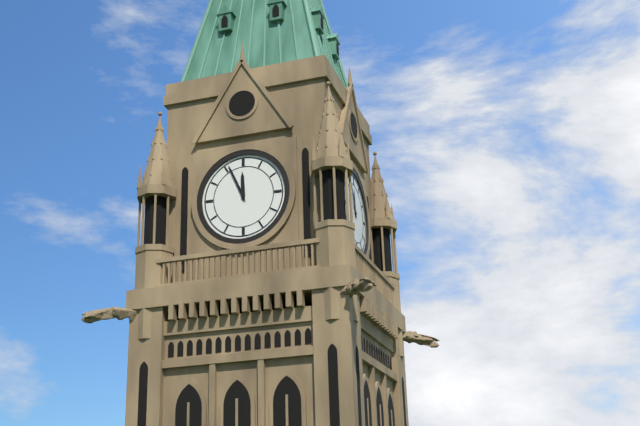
11:56
